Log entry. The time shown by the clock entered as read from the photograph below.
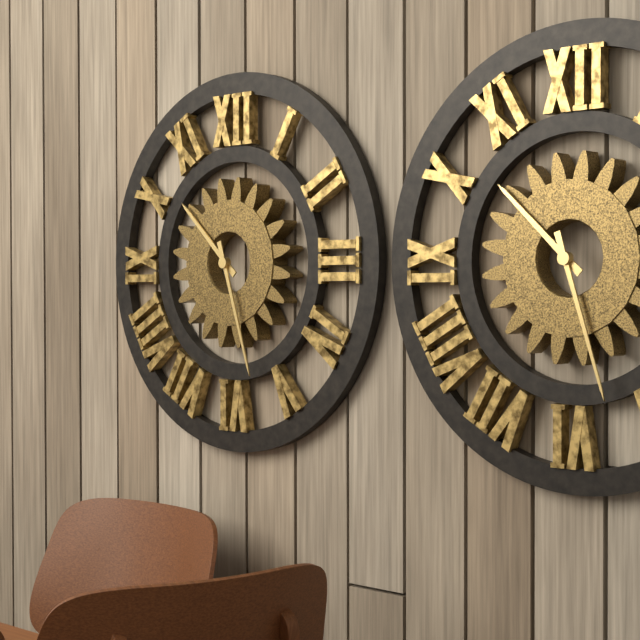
10:27
